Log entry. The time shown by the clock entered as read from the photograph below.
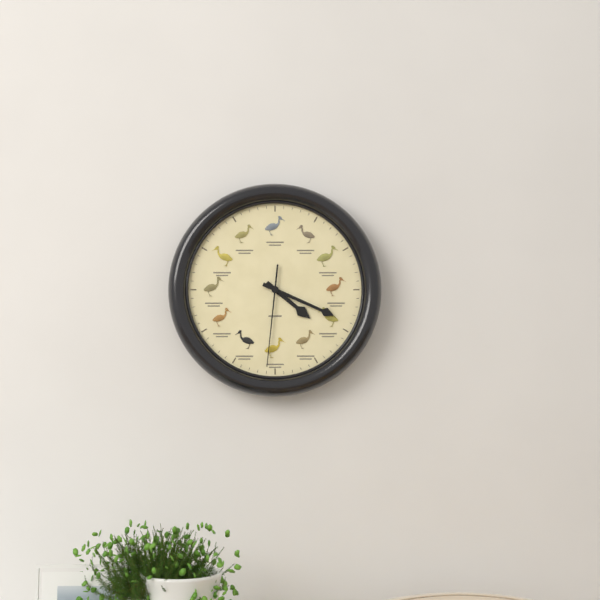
4:19:31
